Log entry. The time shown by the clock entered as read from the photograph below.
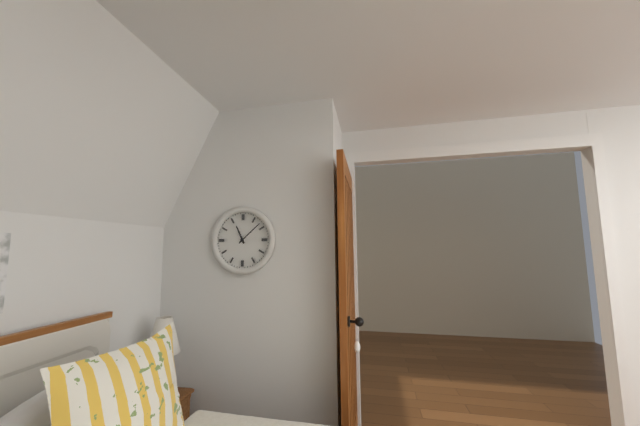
11:08
